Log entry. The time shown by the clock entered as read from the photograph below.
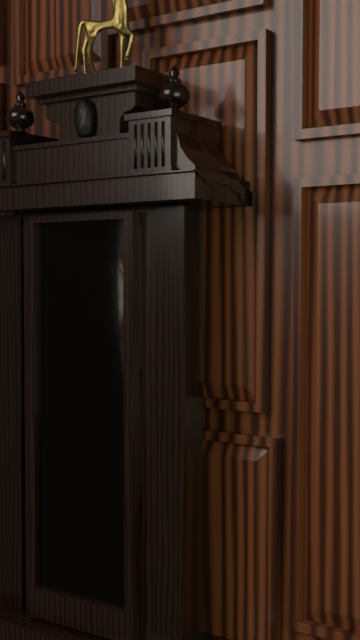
2:59
